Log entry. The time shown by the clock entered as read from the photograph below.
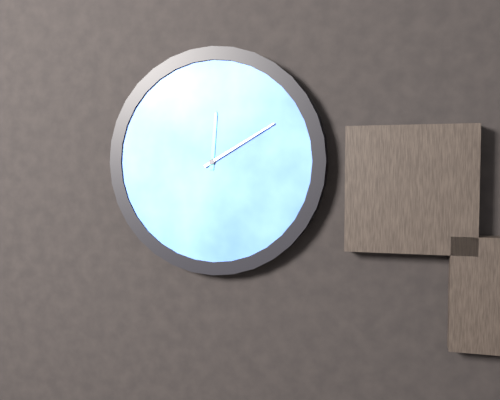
12:10
